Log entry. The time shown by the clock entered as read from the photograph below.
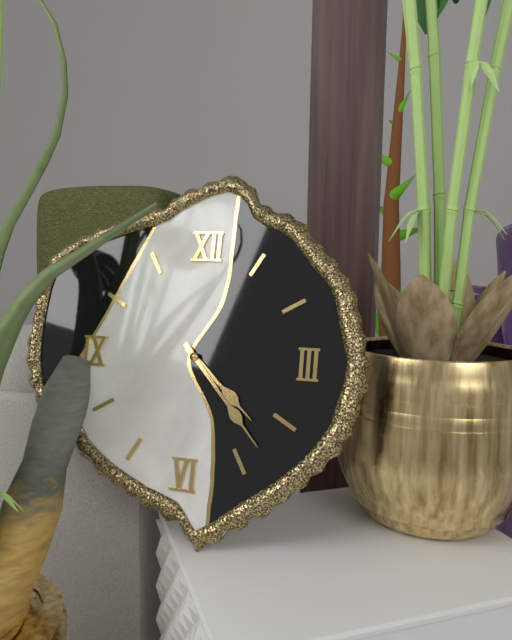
4:23
